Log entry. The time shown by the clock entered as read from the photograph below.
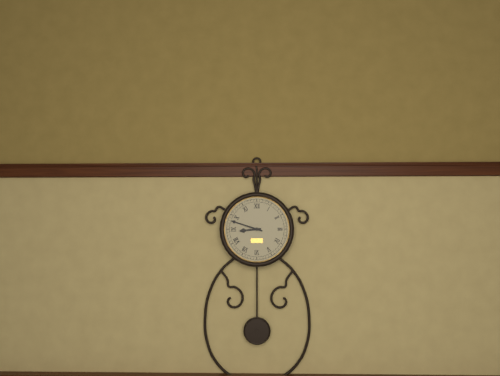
8:48
